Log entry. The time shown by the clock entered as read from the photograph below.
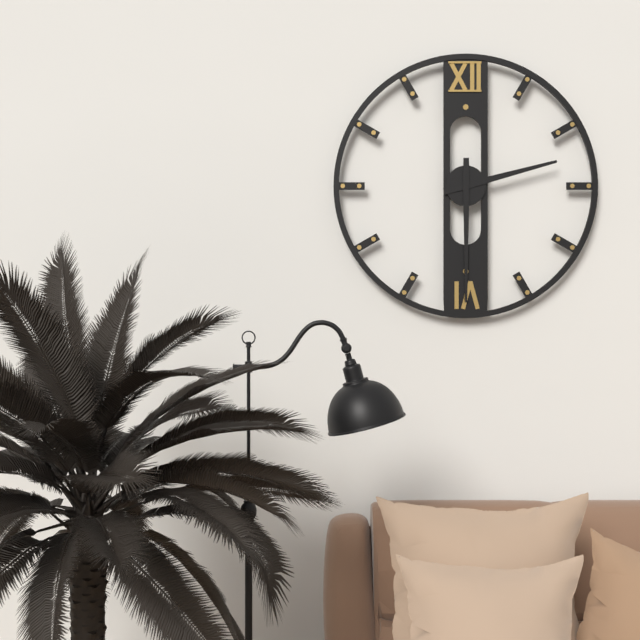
2:30
